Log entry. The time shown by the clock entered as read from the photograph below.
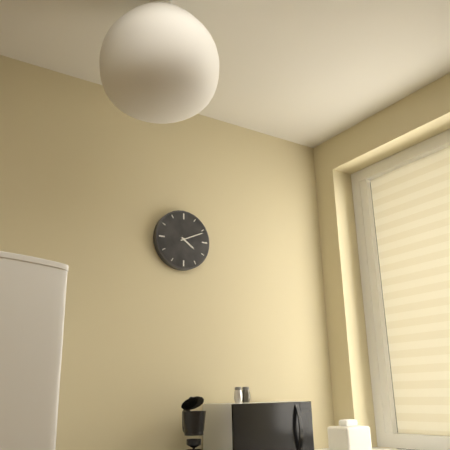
4:11
